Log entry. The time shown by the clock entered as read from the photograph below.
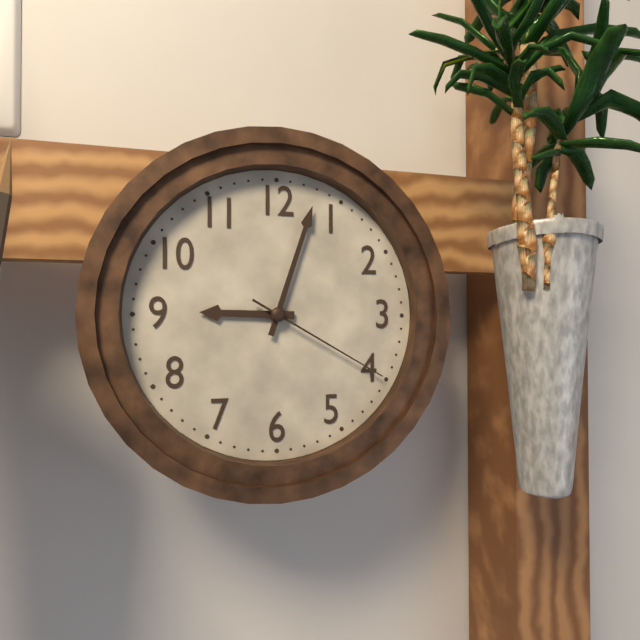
9:03:20
